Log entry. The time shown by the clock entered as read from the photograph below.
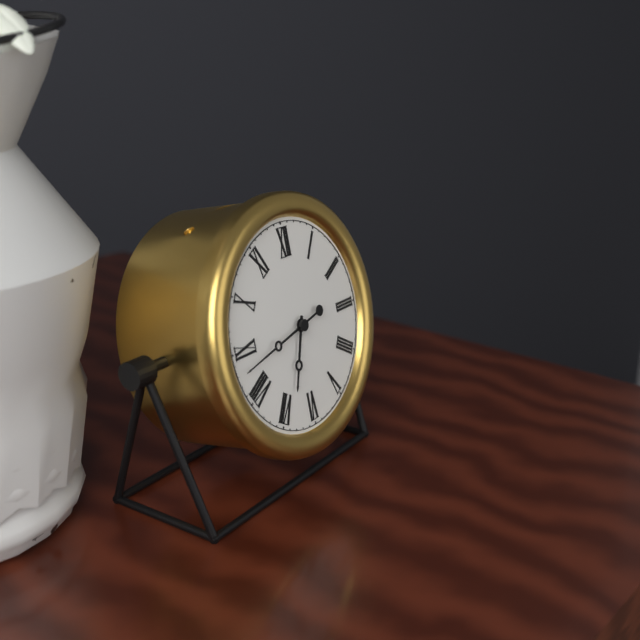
6:43
